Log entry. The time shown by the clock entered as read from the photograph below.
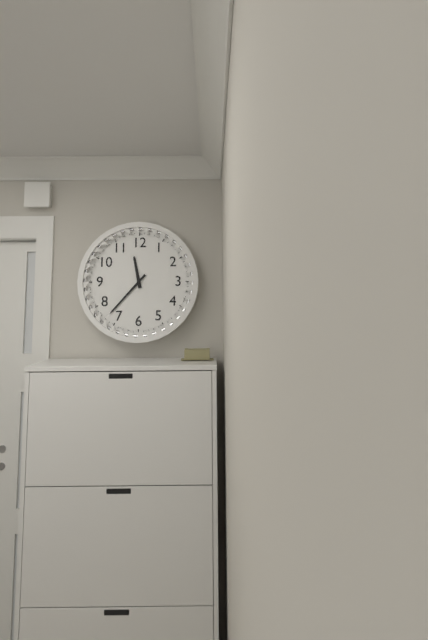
11:37
